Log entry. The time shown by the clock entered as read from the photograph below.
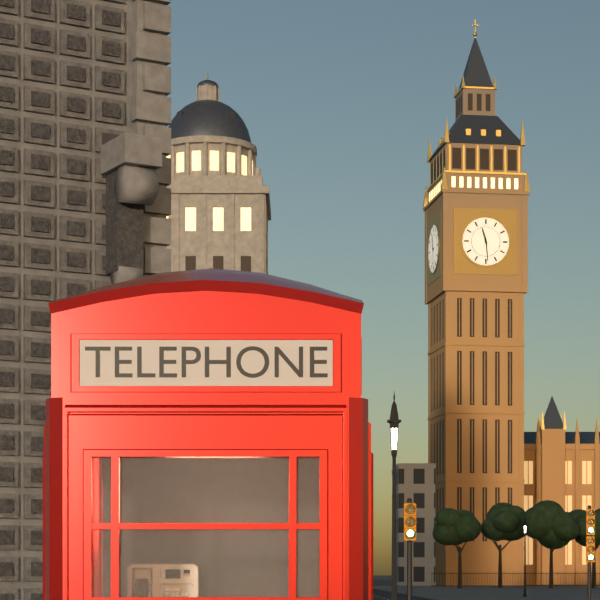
11:29
